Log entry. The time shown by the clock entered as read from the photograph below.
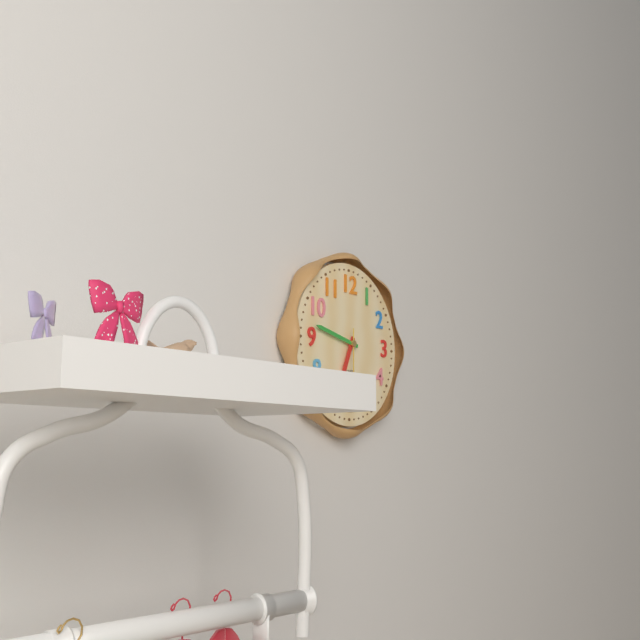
6:47
